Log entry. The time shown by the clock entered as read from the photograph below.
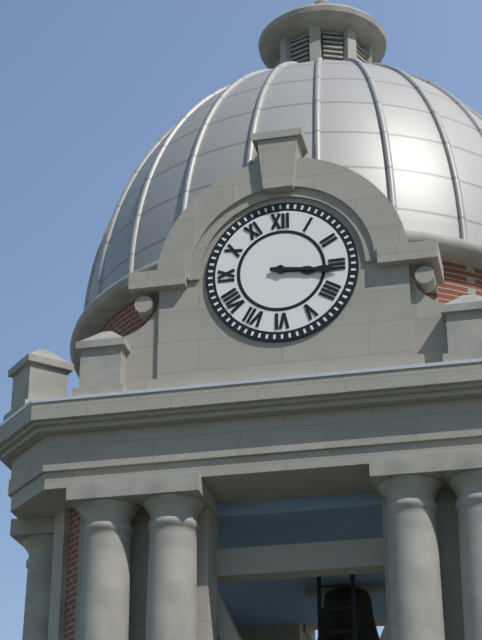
3:16
